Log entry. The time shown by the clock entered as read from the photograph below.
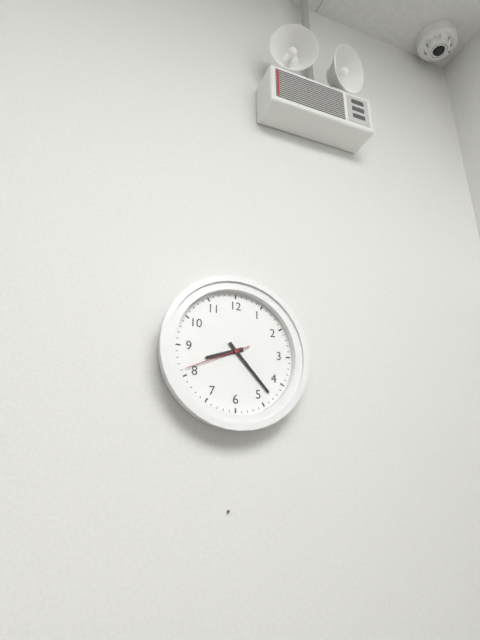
8:23:41
